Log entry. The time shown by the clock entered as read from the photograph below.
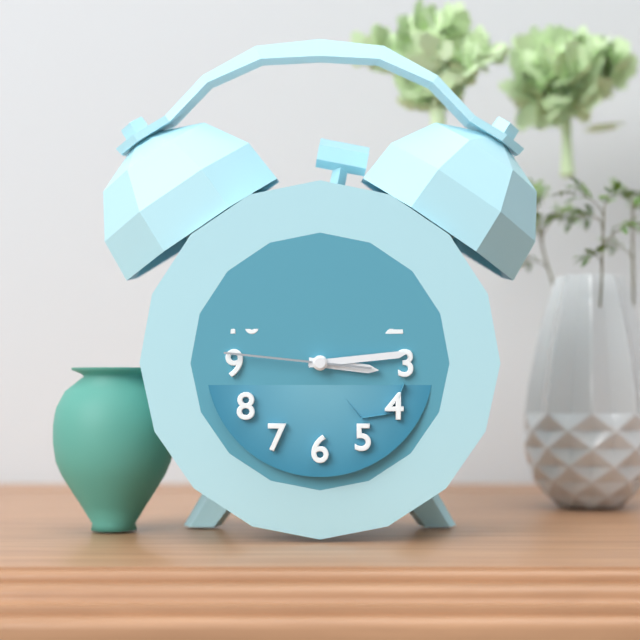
3:14:46
